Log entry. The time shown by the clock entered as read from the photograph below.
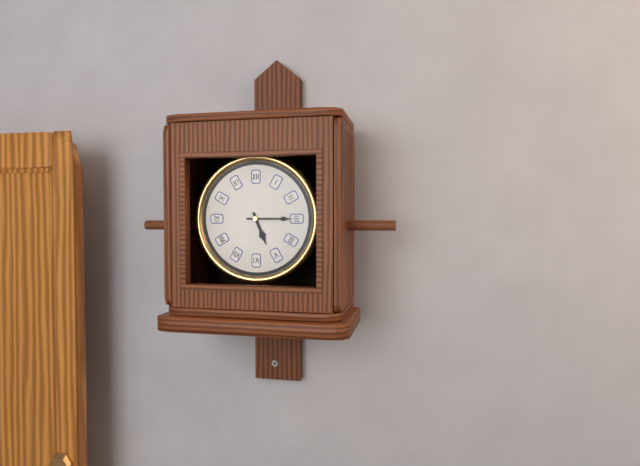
5:15
